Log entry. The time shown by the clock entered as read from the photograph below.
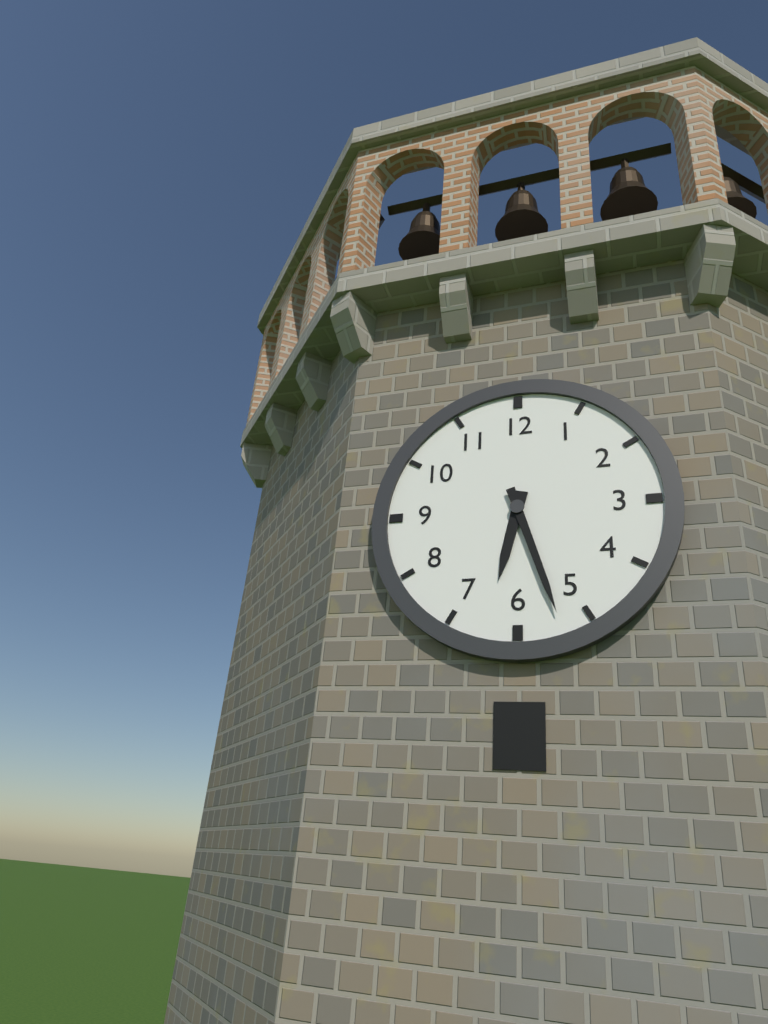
6:27
